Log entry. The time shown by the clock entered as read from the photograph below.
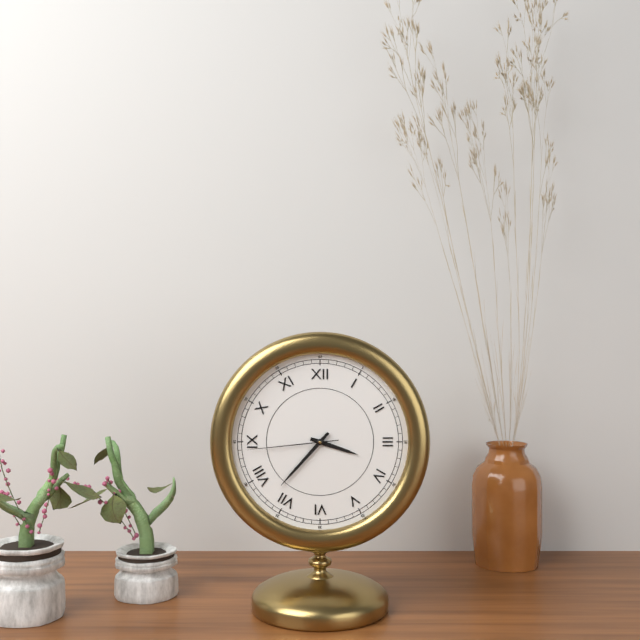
3:37:44
